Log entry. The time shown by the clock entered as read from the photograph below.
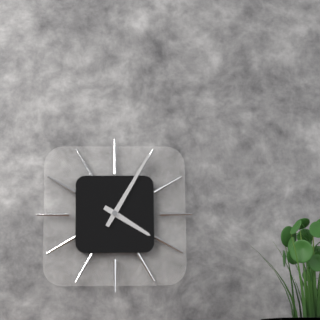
4:05
